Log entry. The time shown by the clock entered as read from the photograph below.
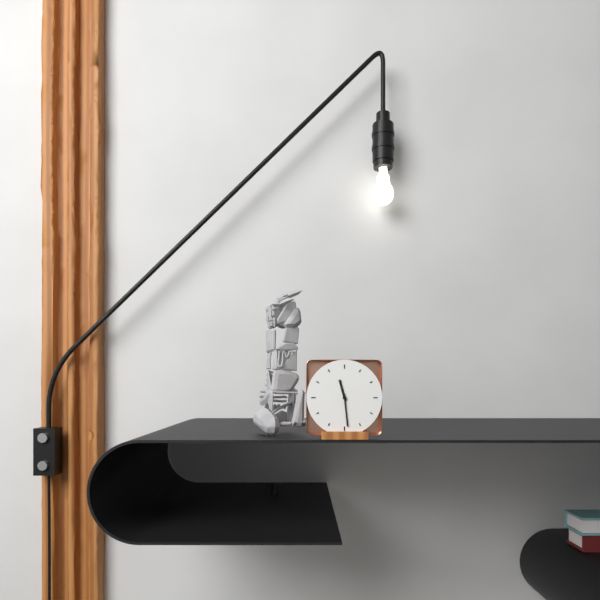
11:29
